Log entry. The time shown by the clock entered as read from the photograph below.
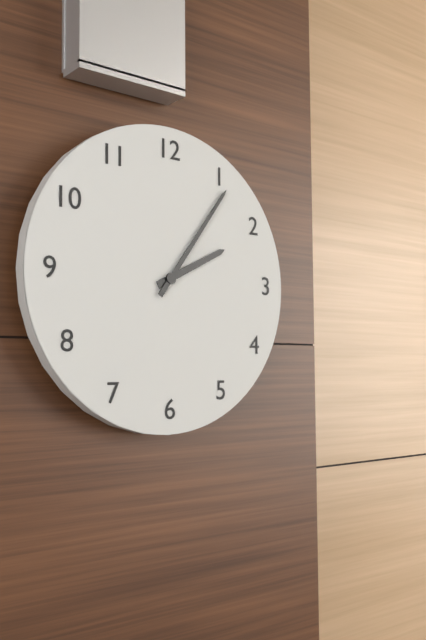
2:06
